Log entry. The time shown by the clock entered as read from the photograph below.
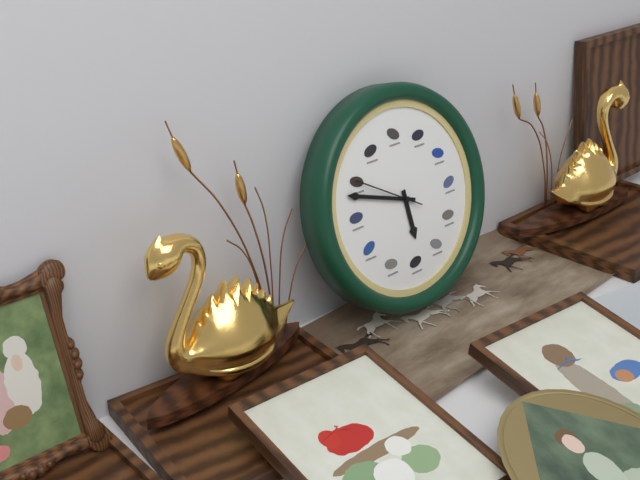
5:48:50
